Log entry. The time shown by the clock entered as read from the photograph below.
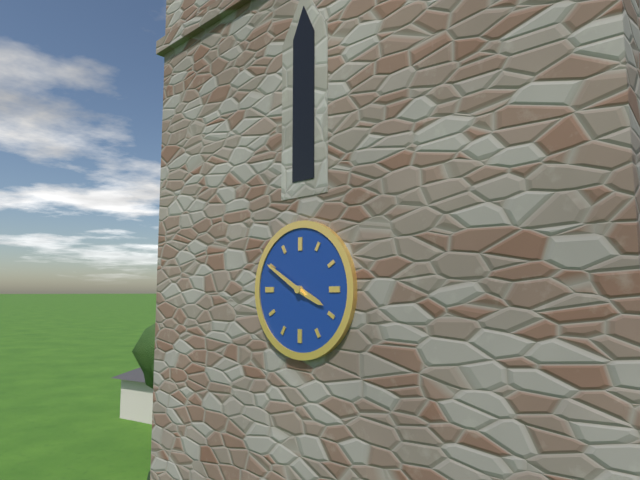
3:50
